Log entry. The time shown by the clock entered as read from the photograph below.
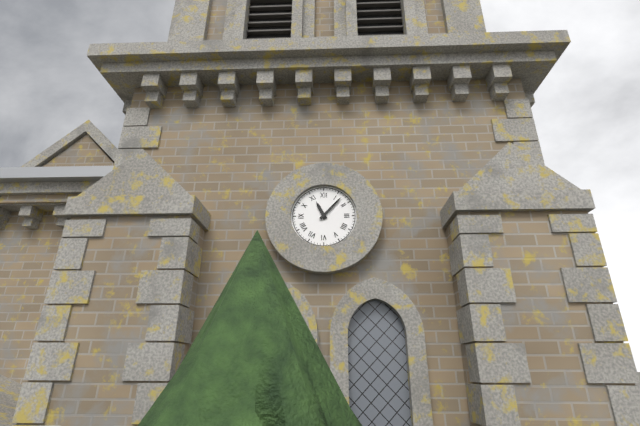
11:07
